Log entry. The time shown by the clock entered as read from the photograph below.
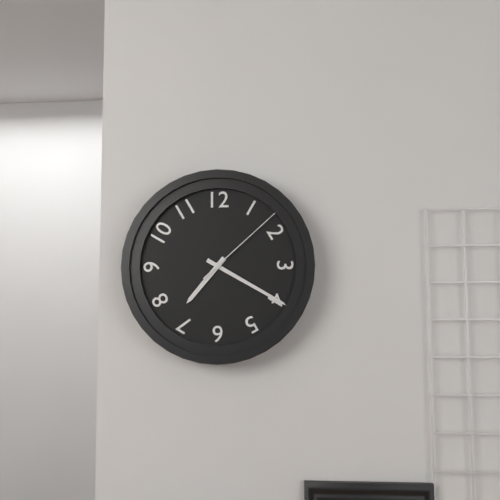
7:20:08
